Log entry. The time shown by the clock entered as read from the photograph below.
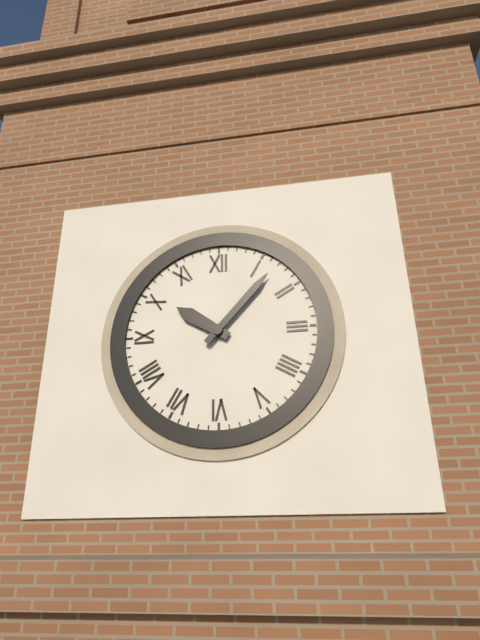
10:07
